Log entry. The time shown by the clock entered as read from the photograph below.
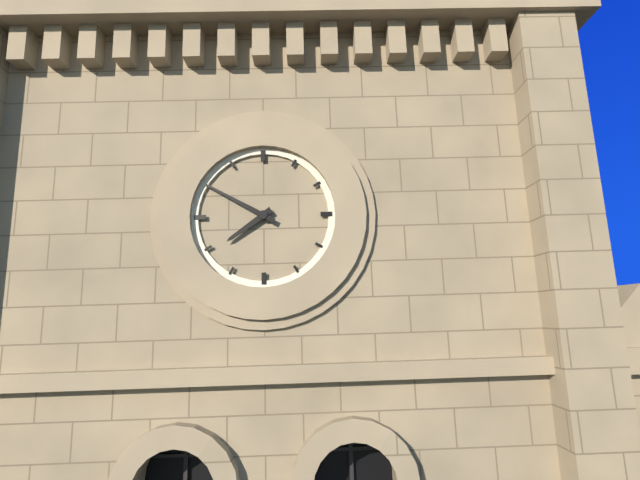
7:50
